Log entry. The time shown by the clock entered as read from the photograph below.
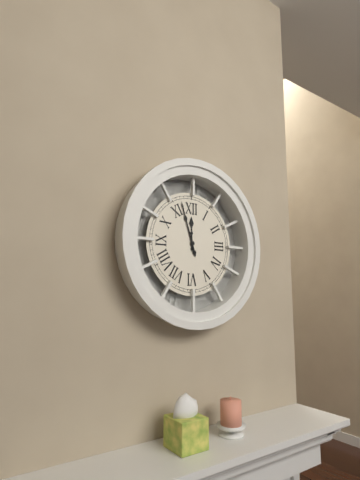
11:57
